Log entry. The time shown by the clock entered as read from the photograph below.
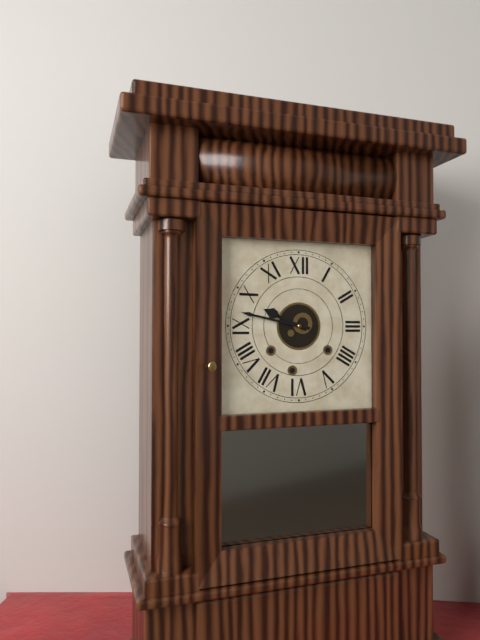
9:47
